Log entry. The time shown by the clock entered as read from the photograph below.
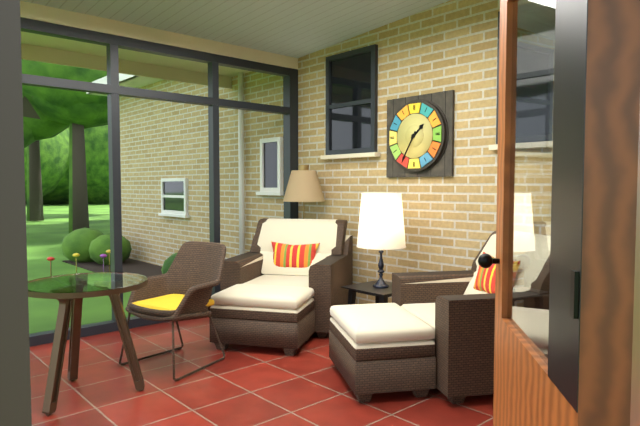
1:35
